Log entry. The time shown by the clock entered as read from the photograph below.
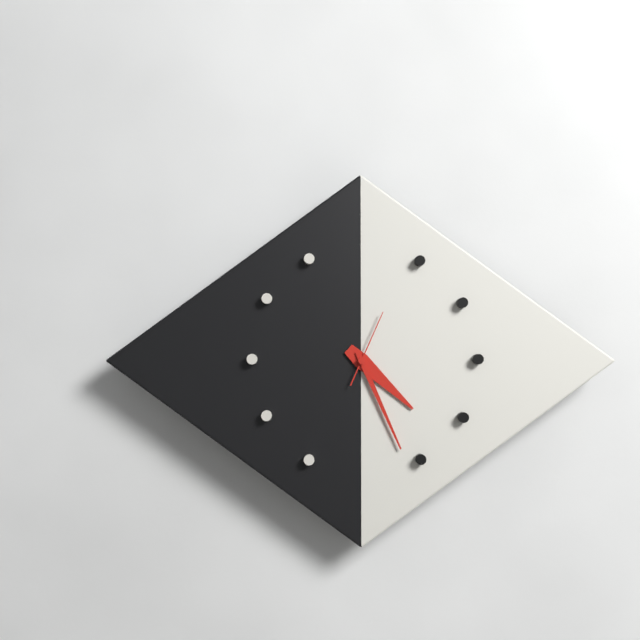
4:26:04
